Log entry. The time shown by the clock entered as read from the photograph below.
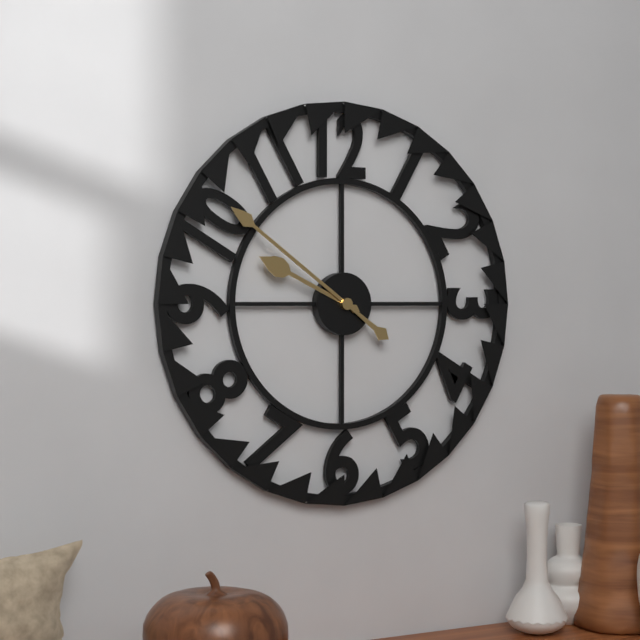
9:51
